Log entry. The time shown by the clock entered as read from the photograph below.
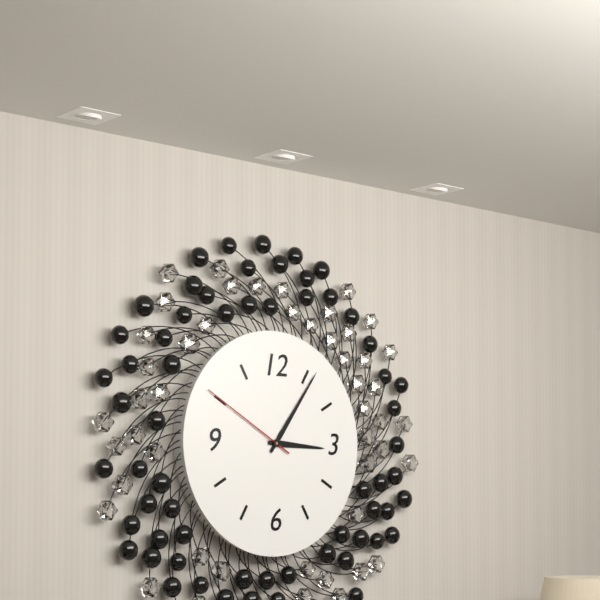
3:06:50
